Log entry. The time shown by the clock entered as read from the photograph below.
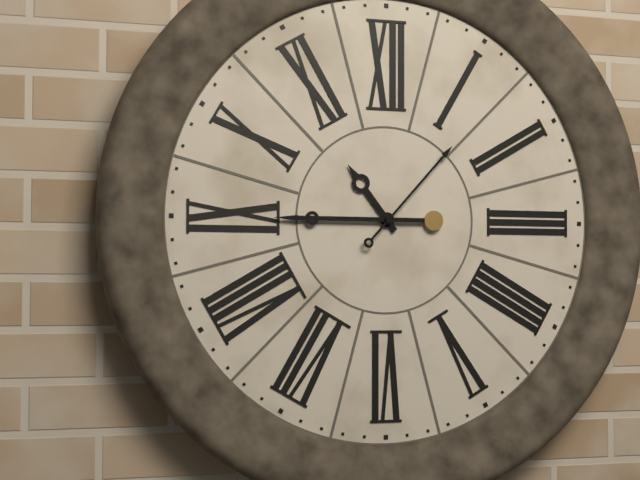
10:45:07
